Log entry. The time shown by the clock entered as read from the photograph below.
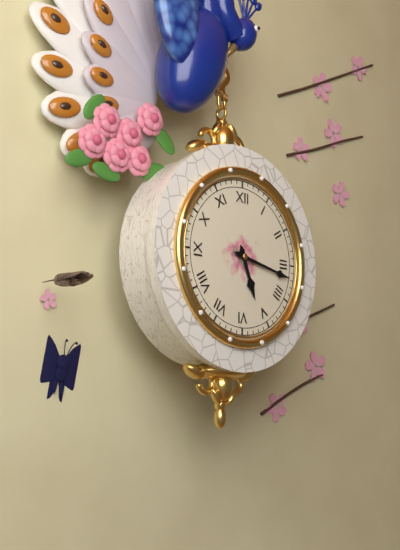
5:17
